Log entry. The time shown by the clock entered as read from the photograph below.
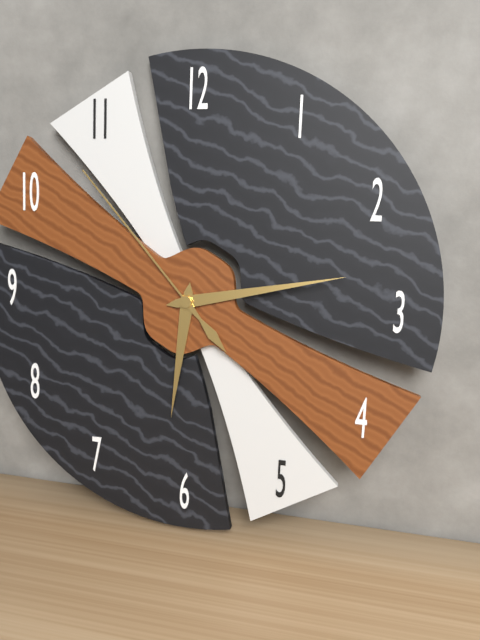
6:13:53
